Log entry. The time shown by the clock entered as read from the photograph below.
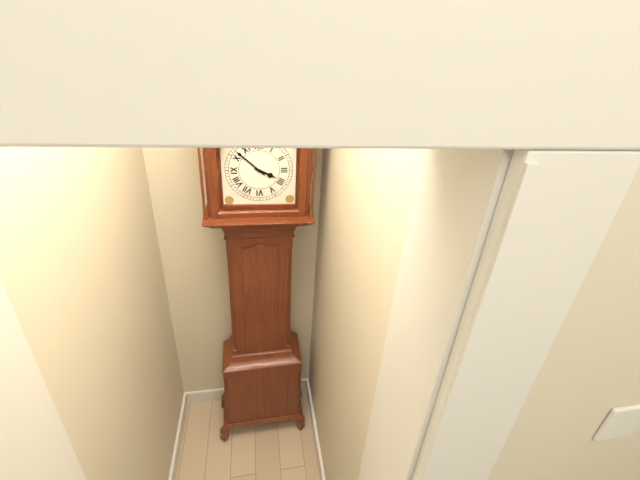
3:52
